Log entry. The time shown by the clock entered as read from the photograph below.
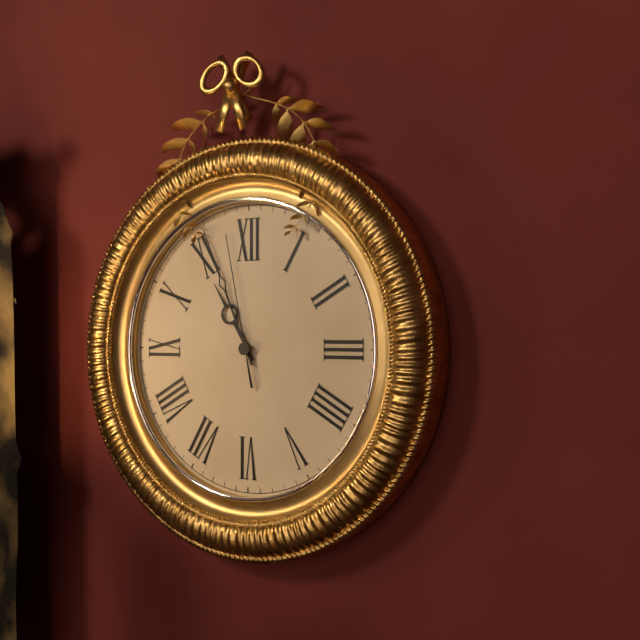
10:56:58
